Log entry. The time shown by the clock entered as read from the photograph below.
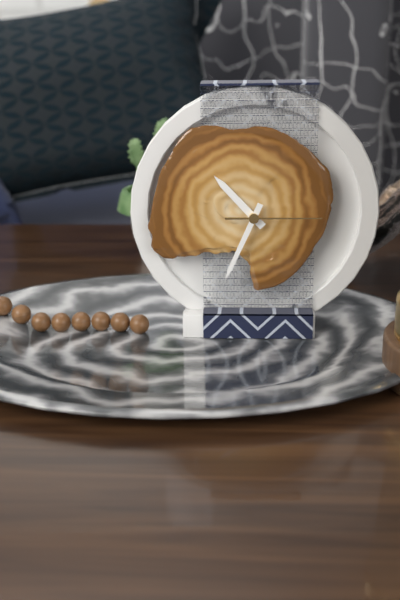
10:34:15
